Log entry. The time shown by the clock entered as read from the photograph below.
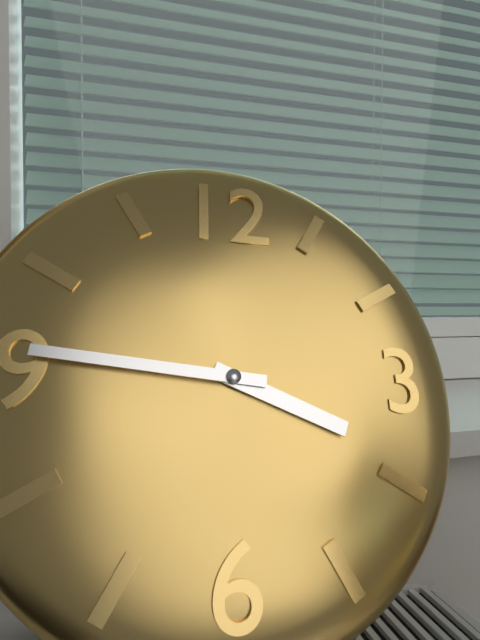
3:46
